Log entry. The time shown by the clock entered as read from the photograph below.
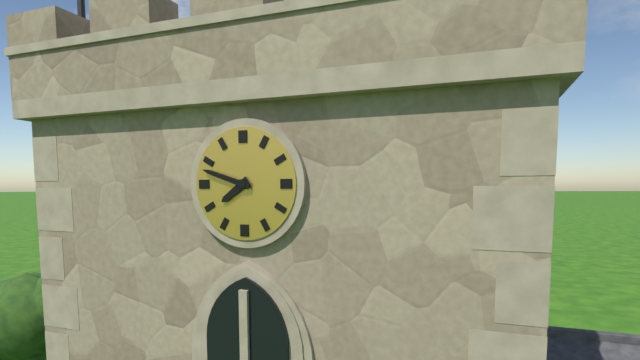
7:48
